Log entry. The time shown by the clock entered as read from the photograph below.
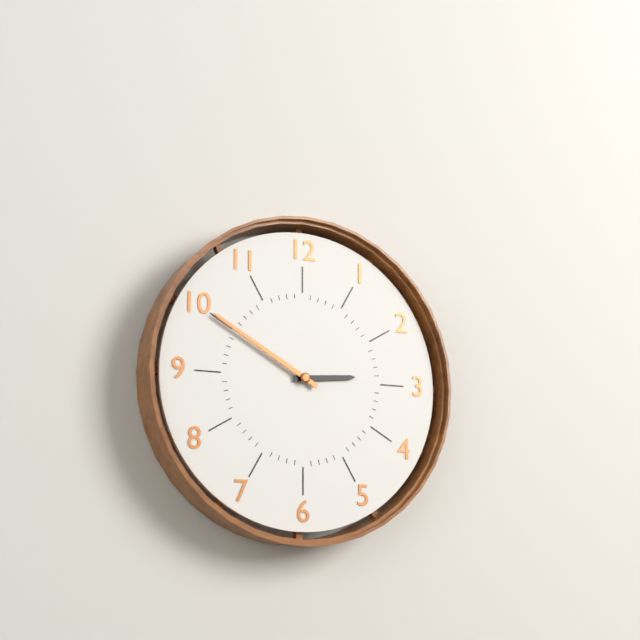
2:50
